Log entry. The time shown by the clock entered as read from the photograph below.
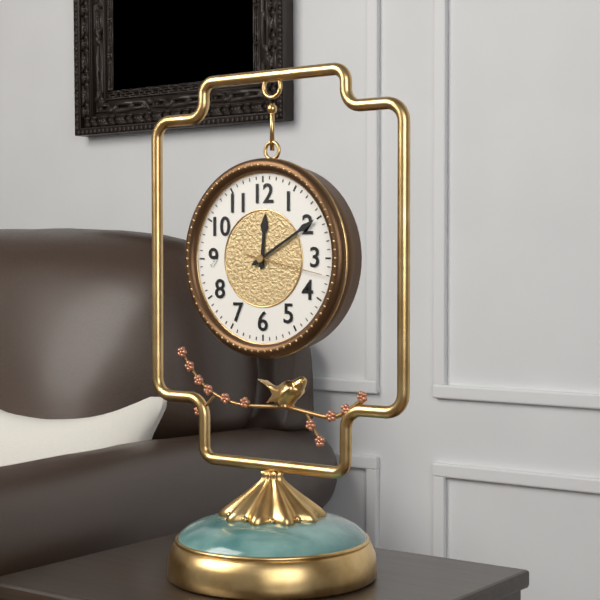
12:10:17
